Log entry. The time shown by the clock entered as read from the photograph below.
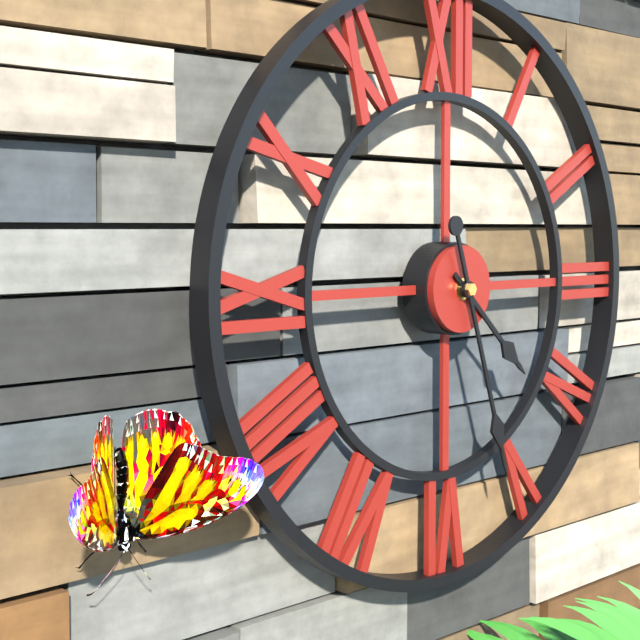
4:27
